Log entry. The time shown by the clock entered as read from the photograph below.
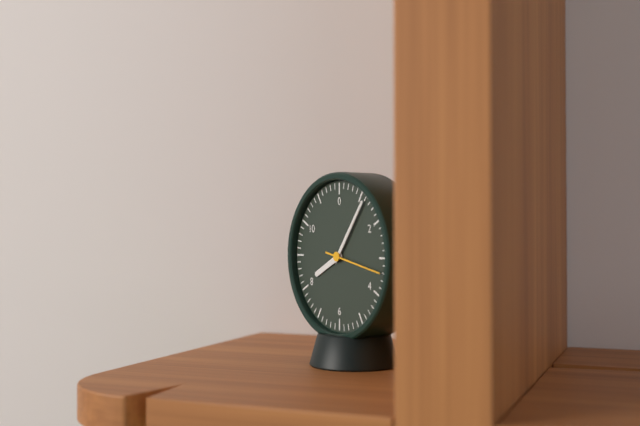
8:06
